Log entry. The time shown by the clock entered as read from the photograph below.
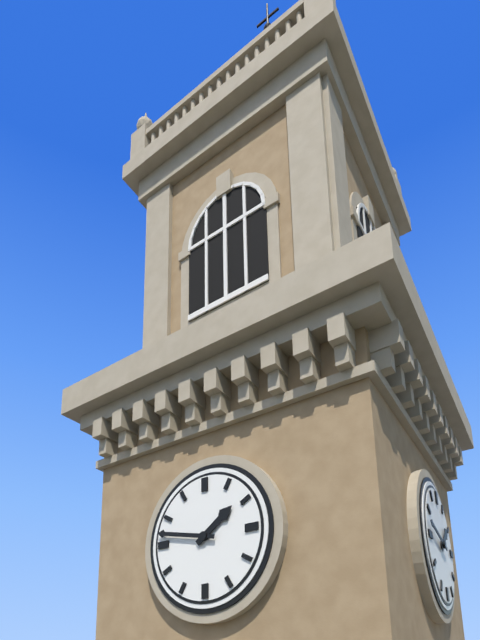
1:47
